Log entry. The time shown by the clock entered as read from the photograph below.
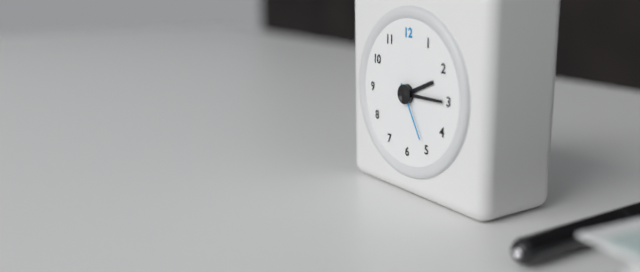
2:15:25
